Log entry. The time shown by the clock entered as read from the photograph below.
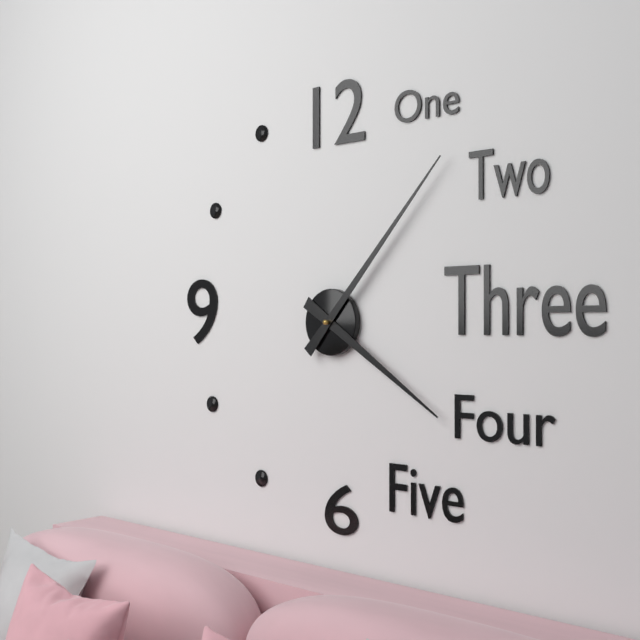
4:07
